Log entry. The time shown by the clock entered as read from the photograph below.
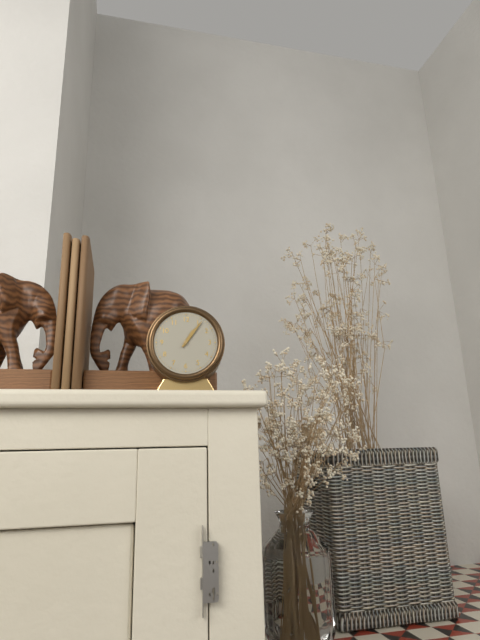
1:06
